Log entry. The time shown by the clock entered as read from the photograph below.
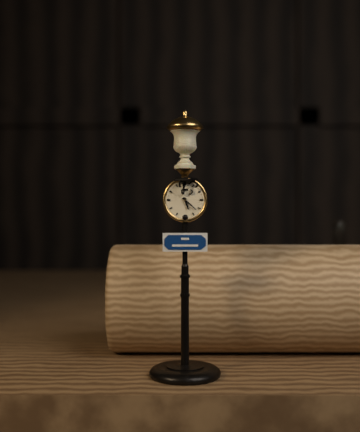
5:22
